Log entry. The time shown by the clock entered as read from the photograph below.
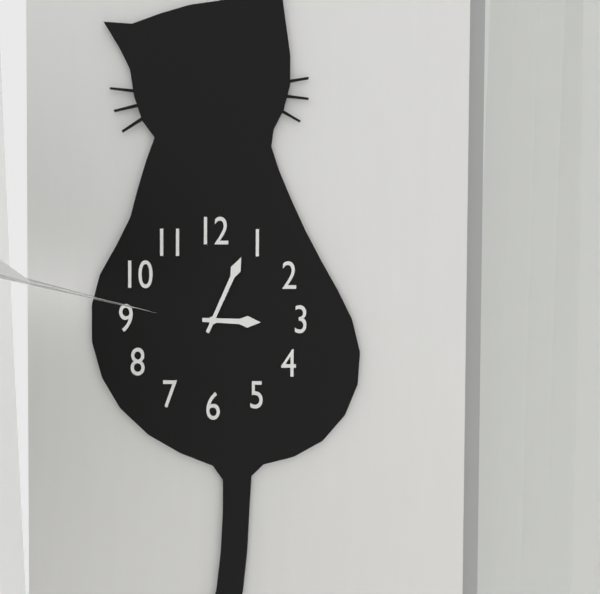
3:04
